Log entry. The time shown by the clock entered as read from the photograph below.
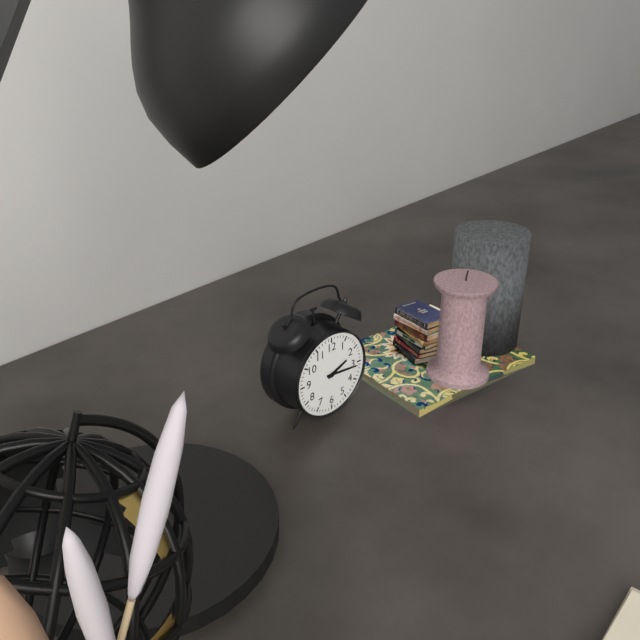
2:16
